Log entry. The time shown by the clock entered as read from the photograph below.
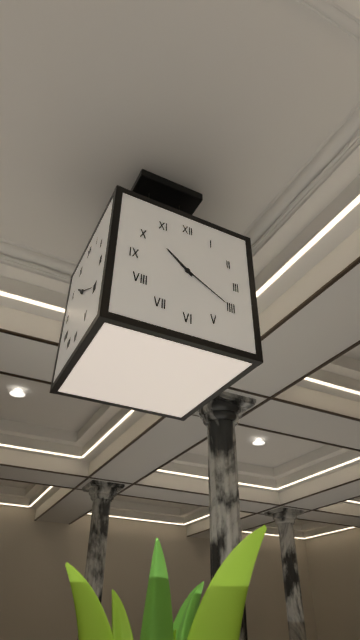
10:20
